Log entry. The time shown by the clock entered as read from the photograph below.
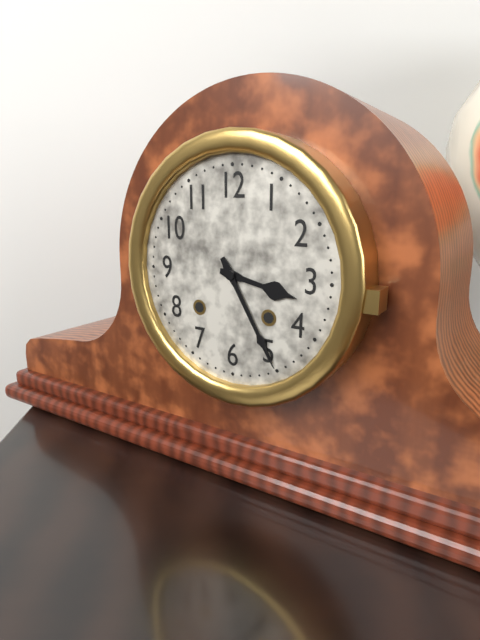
3:25
